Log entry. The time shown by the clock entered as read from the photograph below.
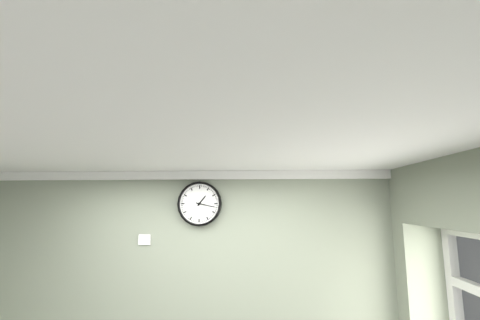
1:17
